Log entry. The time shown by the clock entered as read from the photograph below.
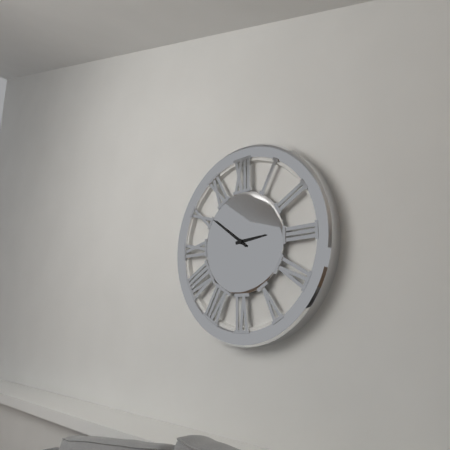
2:51
